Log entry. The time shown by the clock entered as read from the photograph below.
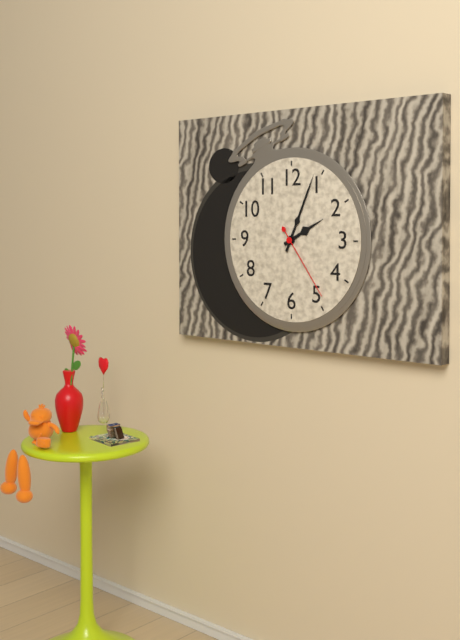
2:04:24
